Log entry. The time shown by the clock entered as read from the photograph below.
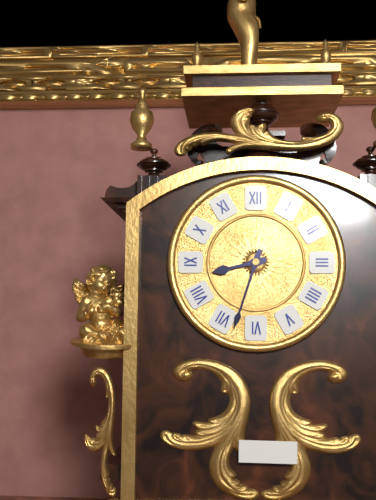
8:33
